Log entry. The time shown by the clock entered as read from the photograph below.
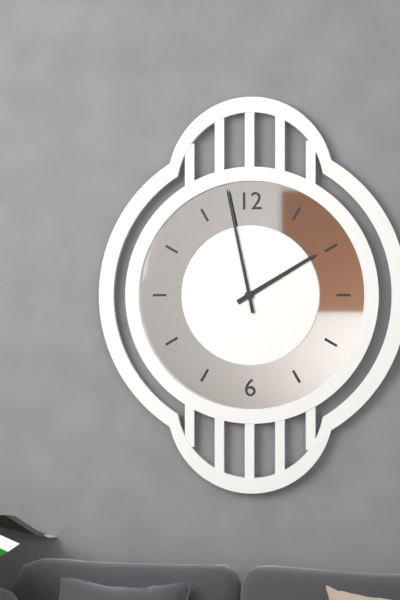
1:58
